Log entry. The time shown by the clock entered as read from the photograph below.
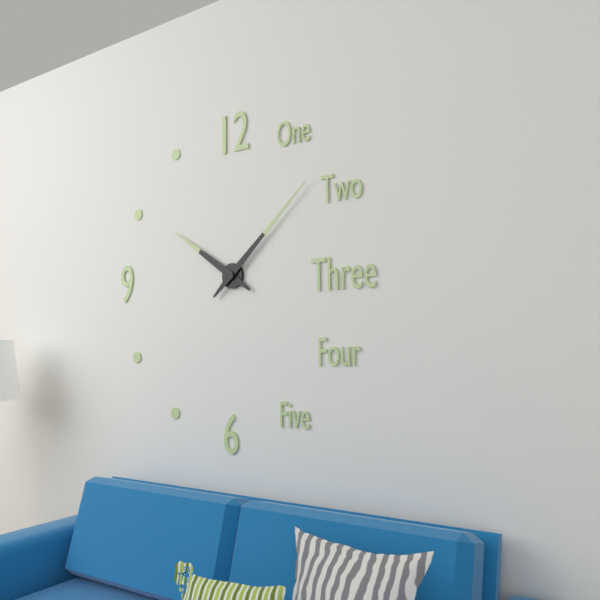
10:08
